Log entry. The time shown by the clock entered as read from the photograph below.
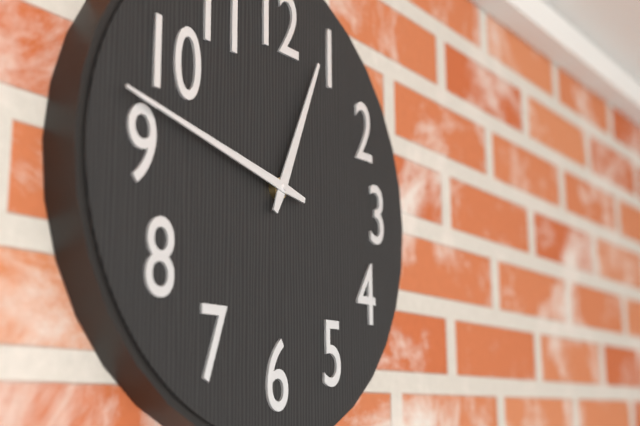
12:47
